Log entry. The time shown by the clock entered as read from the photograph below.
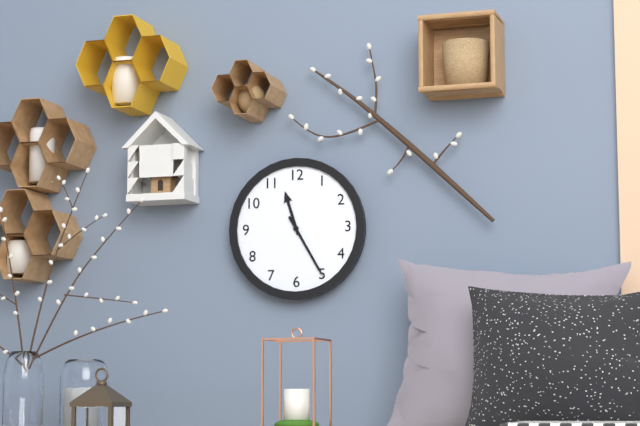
11:25
